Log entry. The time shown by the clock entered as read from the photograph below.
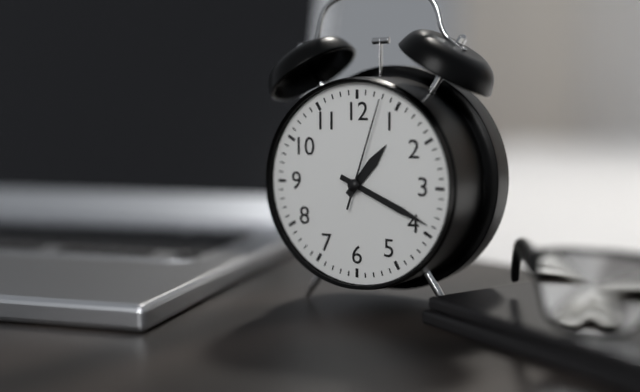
1:19:03
